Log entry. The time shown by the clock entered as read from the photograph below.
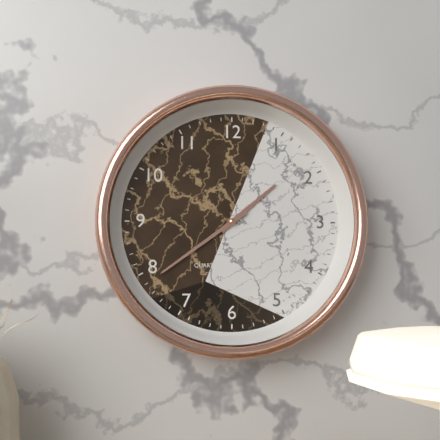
1:39
